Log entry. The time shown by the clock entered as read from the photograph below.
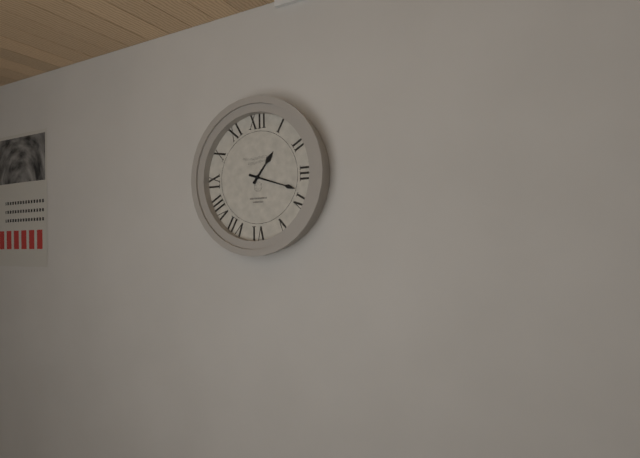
1:18
